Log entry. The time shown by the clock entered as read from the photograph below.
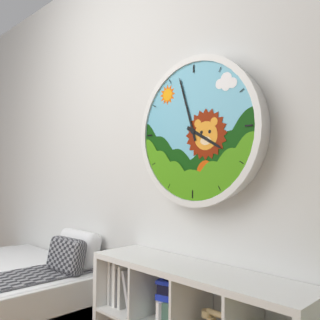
3:57
